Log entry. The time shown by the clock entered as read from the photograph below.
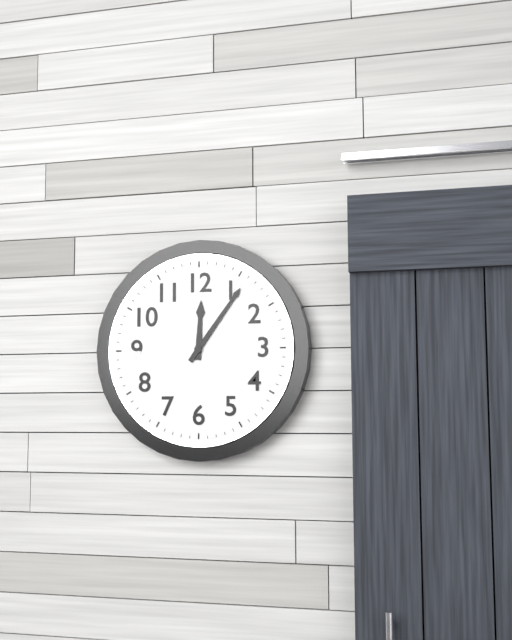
12:06
